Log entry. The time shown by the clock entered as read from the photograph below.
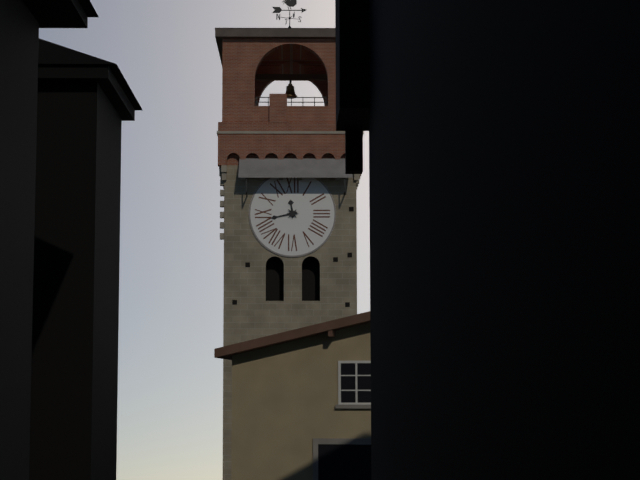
11:43
